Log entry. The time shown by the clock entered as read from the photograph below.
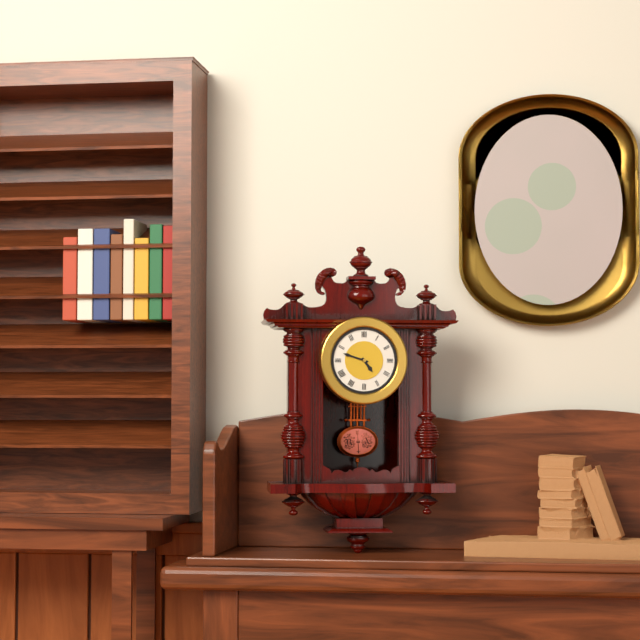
4:48
